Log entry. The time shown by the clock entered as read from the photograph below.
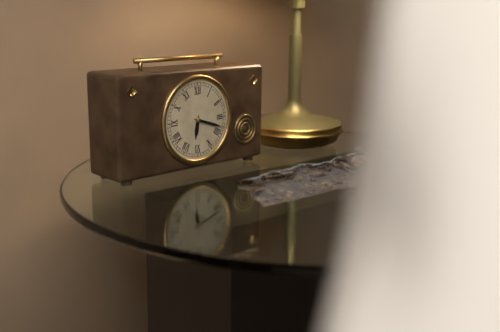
6:18
